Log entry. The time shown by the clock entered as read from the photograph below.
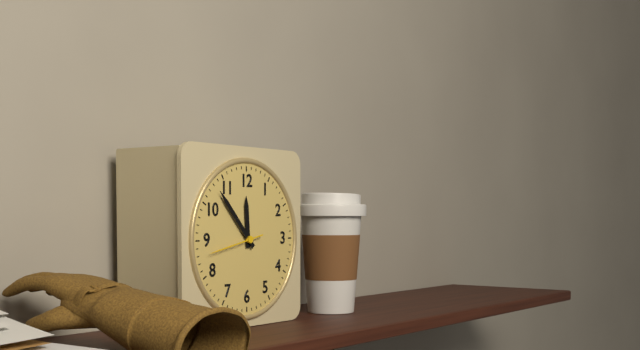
11:53:43
